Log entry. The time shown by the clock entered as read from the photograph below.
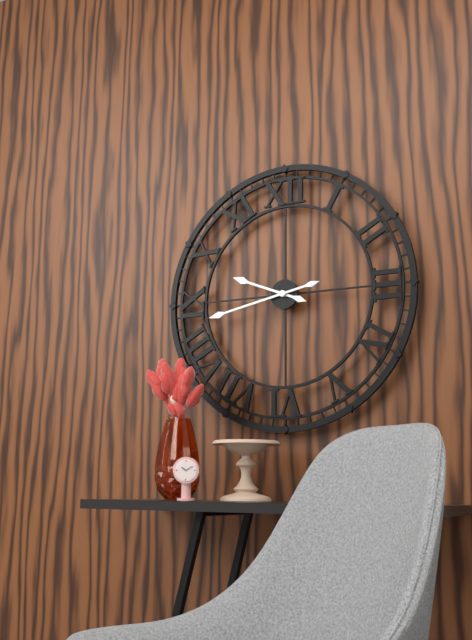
9:43
